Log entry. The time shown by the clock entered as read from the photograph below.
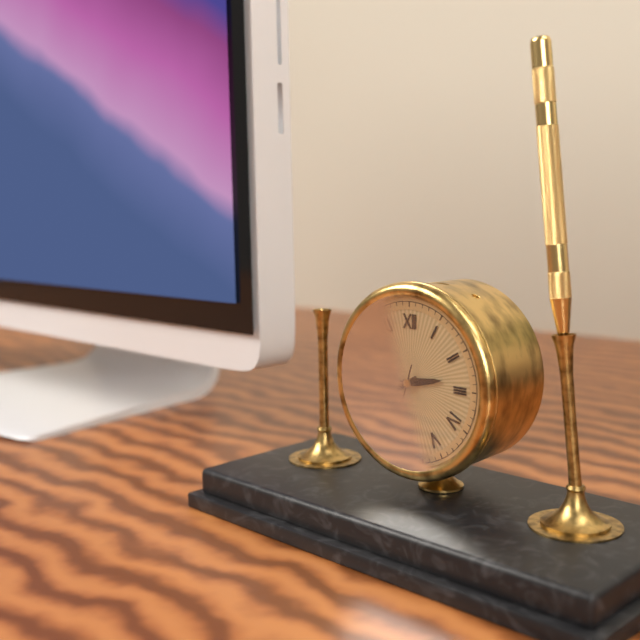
2:40:33
